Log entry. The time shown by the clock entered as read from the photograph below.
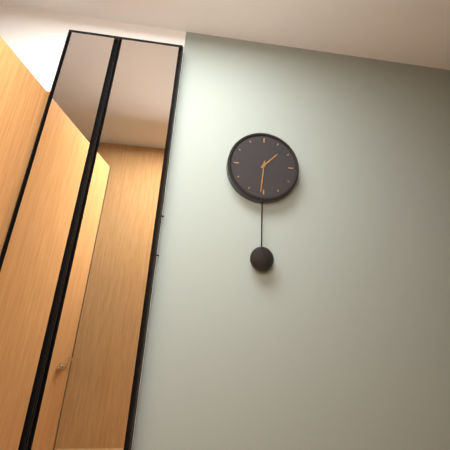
1:31
